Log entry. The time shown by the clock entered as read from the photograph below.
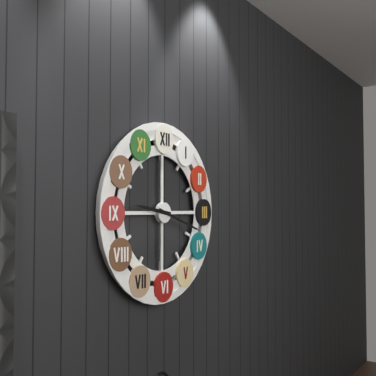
9:18
